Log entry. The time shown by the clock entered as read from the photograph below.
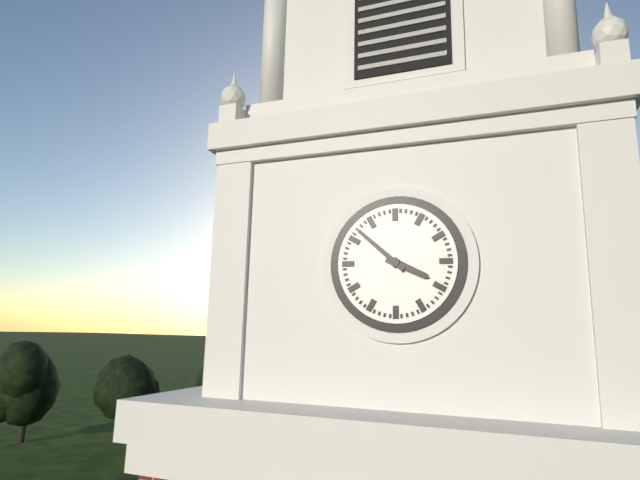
3:52
